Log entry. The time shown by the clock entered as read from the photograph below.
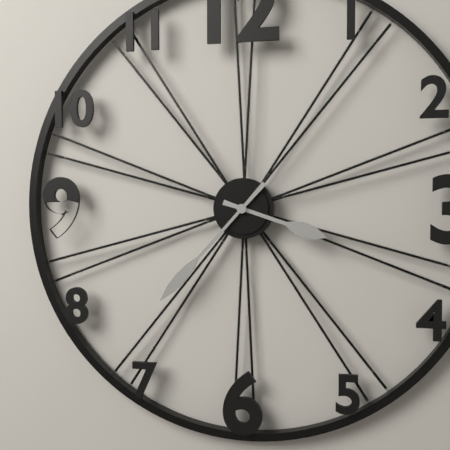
3:37
